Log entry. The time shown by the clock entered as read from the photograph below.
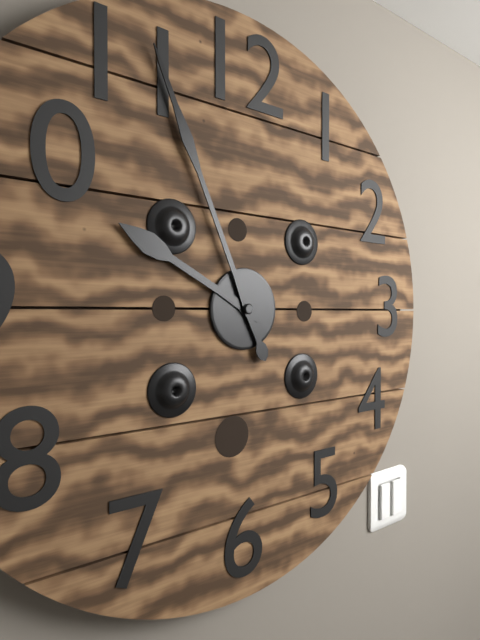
9:56
